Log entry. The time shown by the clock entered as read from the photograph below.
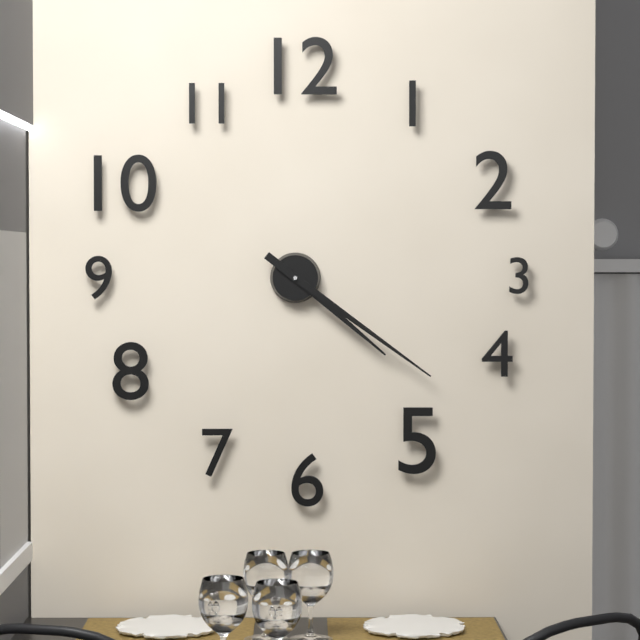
4:21
